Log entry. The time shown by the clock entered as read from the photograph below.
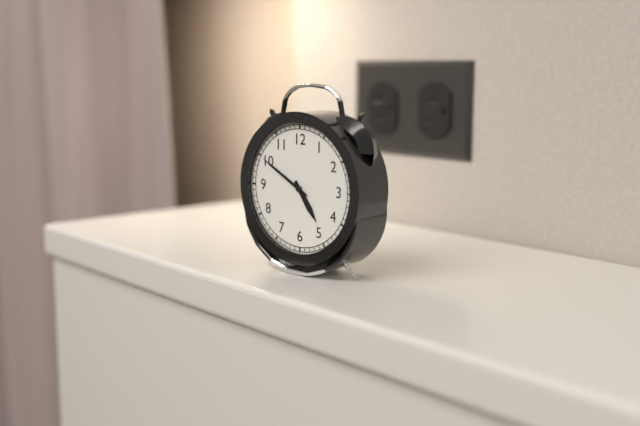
4:50
